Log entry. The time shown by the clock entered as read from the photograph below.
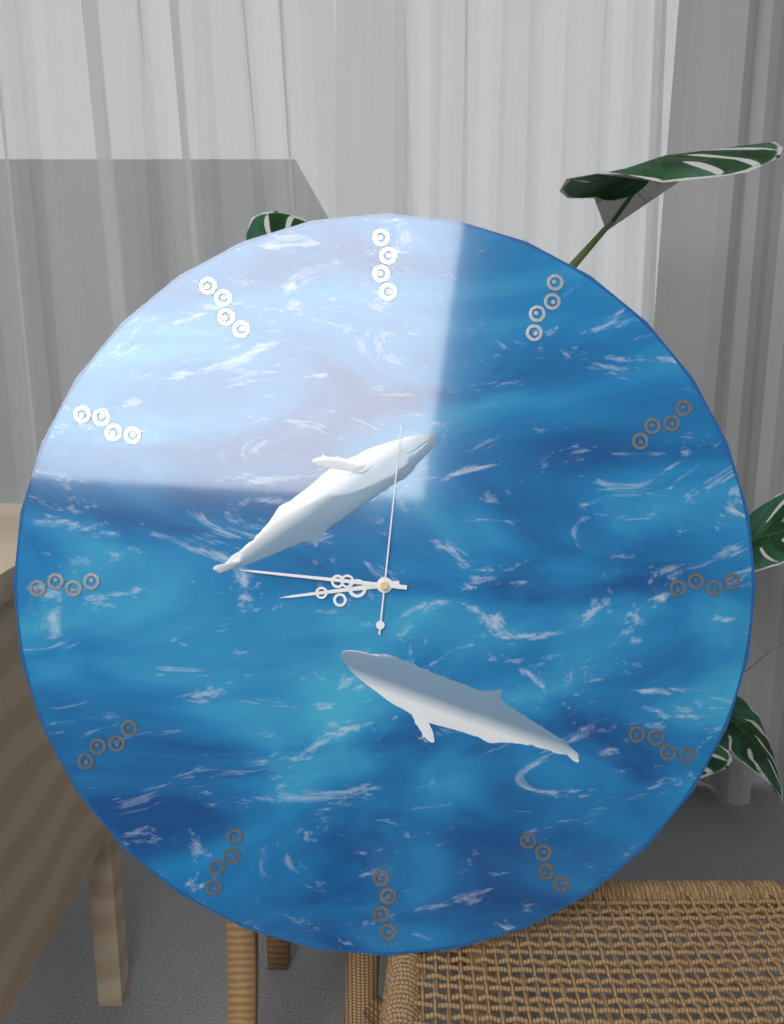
8:46:01
